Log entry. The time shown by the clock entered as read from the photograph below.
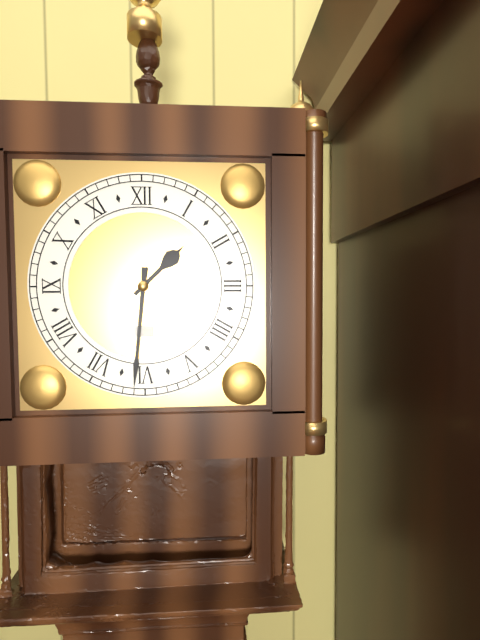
1:31
